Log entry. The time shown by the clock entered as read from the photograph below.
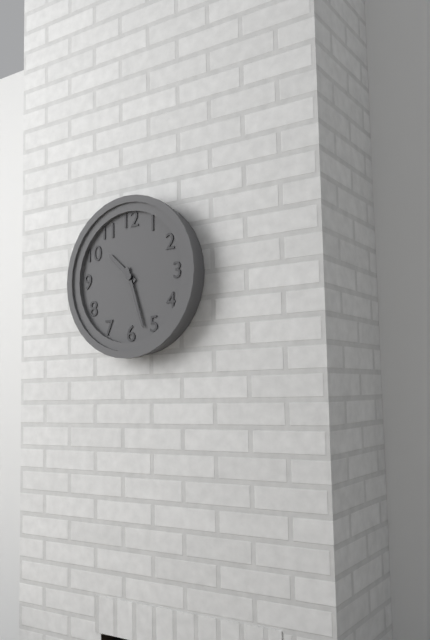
10:27
